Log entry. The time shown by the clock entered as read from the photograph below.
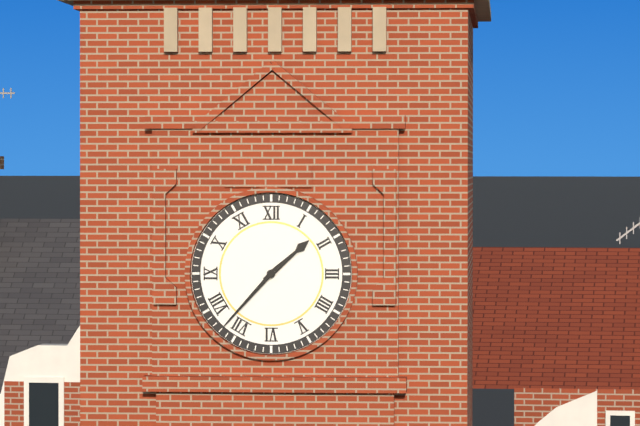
1:37
